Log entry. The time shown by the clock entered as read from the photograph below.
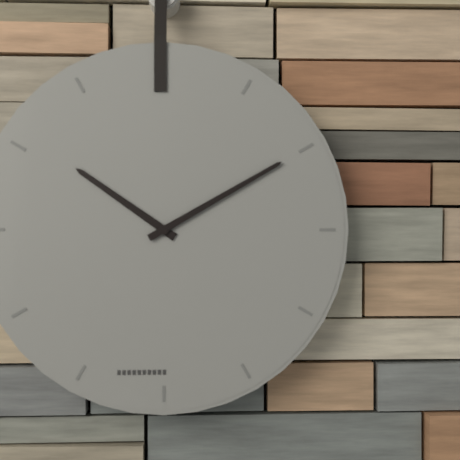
10:10
